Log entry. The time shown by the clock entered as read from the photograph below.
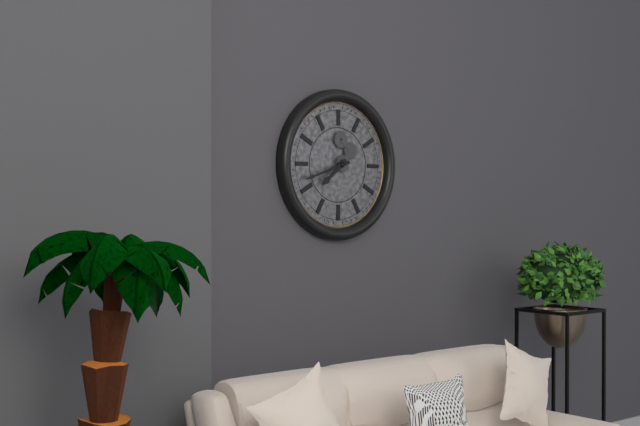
7:42
